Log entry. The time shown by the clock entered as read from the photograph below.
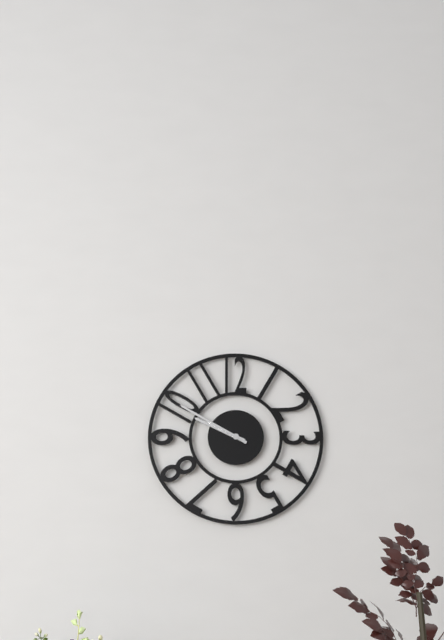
9:50
